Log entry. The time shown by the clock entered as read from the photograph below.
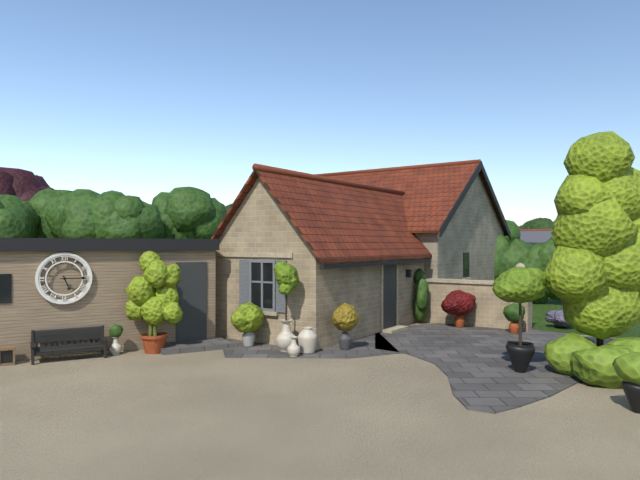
5:15
